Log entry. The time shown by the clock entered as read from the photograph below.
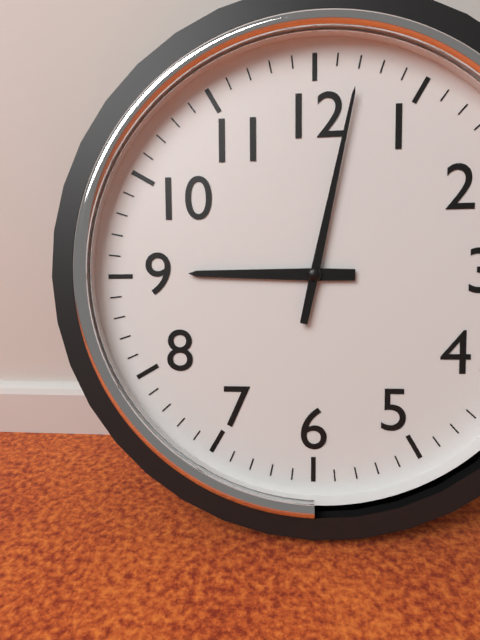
9:02
